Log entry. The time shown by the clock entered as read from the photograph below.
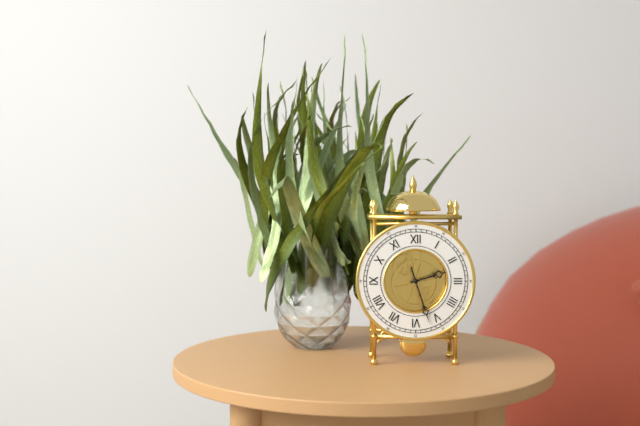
2:27
